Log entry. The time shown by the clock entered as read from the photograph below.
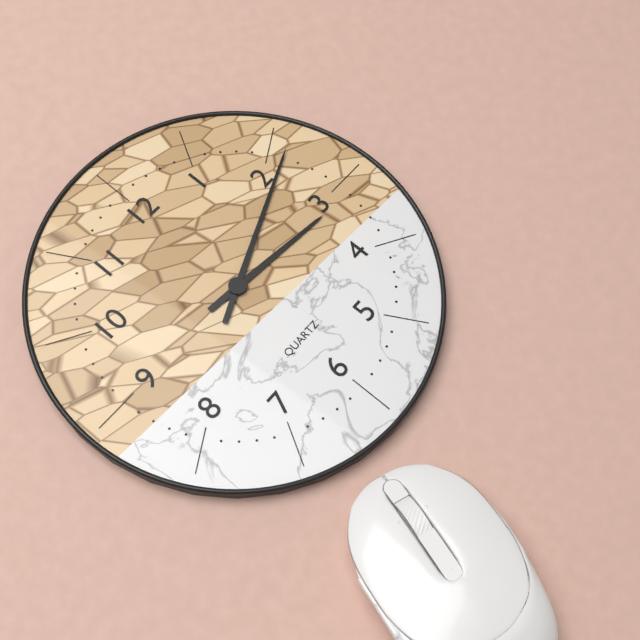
3:11
